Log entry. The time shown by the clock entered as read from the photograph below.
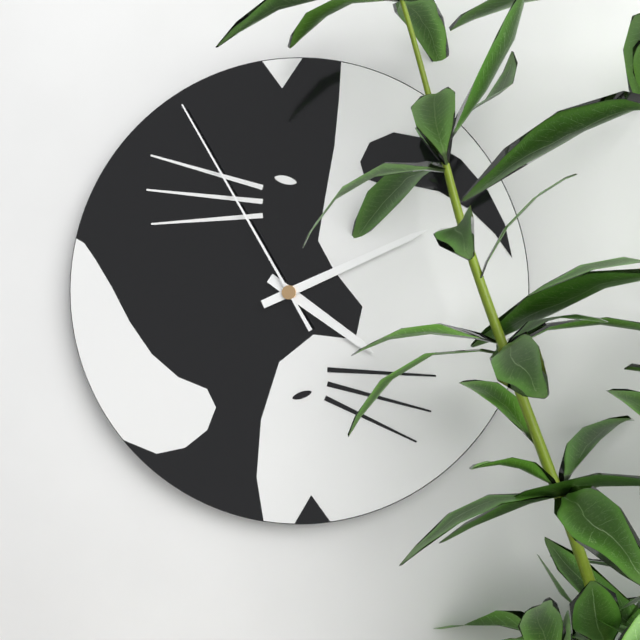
4:11:55
